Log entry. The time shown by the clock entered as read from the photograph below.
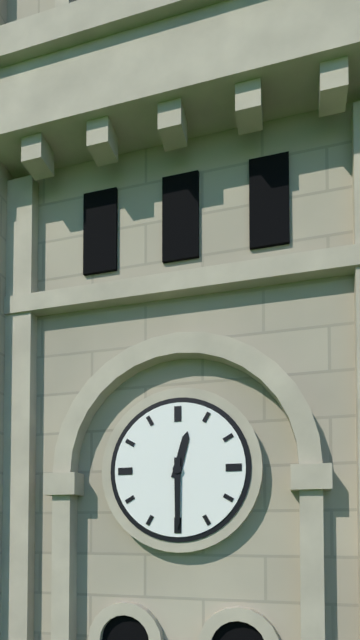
12:30
